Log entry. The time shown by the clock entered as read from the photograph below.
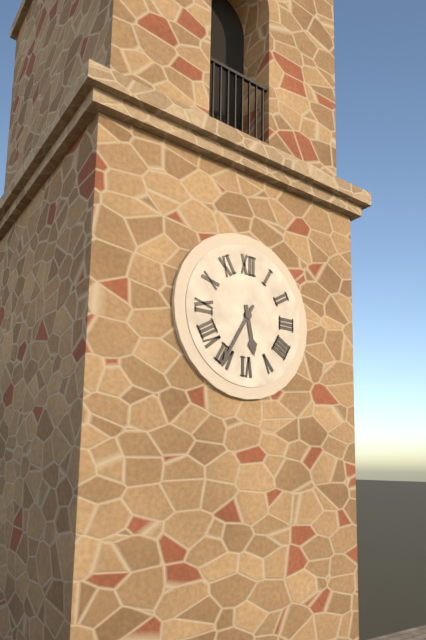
5:35
